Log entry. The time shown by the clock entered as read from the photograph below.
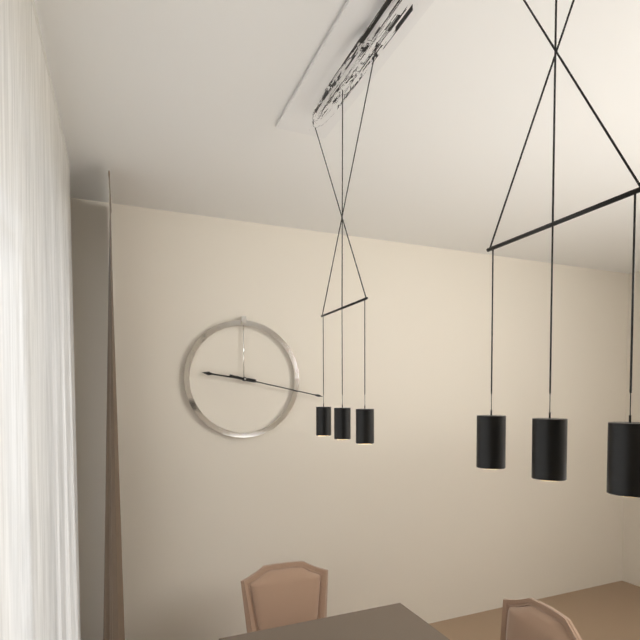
9:17
